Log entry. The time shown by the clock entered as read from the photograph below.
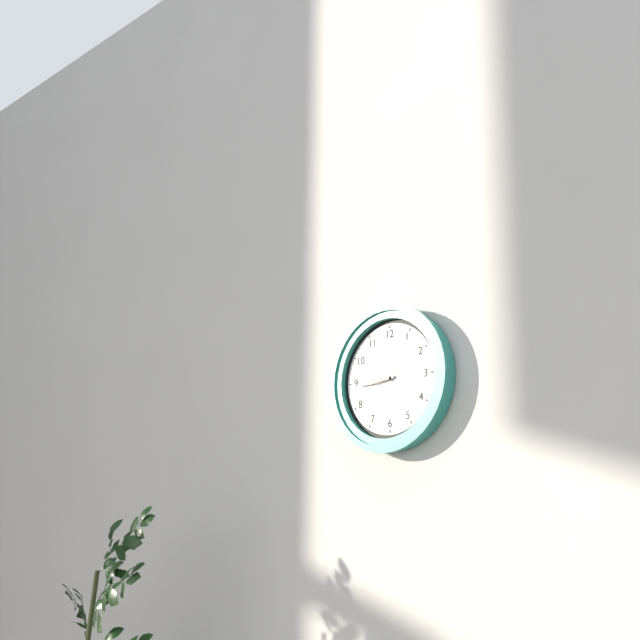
8:44:03
